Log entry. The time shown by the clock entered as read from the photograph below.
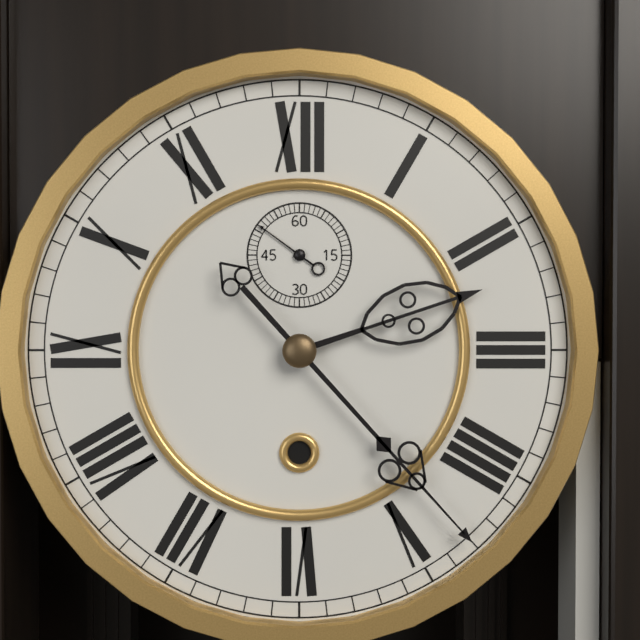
2:23:51
